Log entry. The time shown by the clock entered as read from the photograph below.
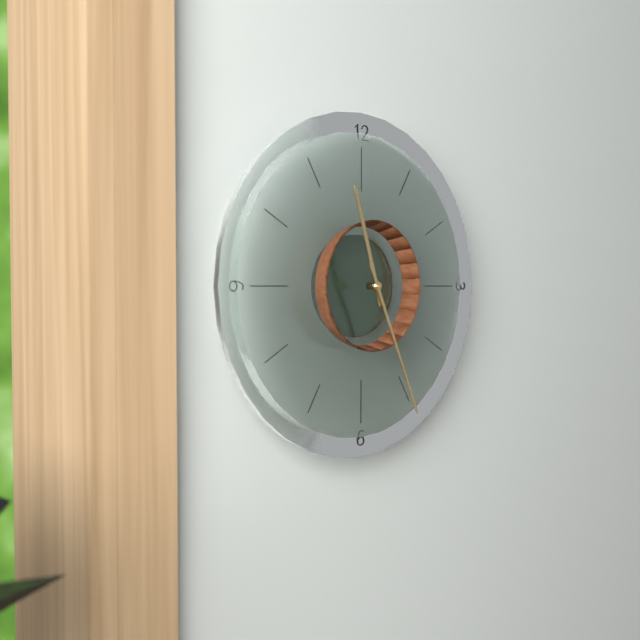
11:26
